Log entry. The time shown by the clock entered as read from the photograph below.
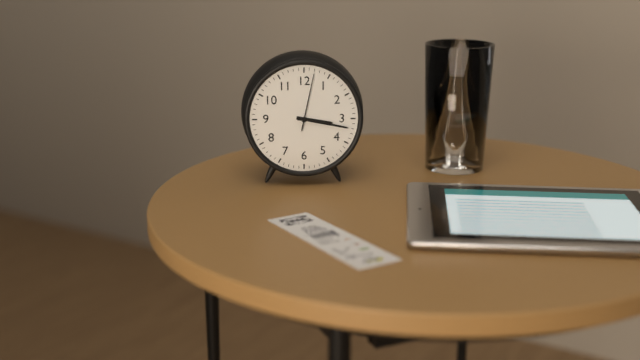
3:17:02
